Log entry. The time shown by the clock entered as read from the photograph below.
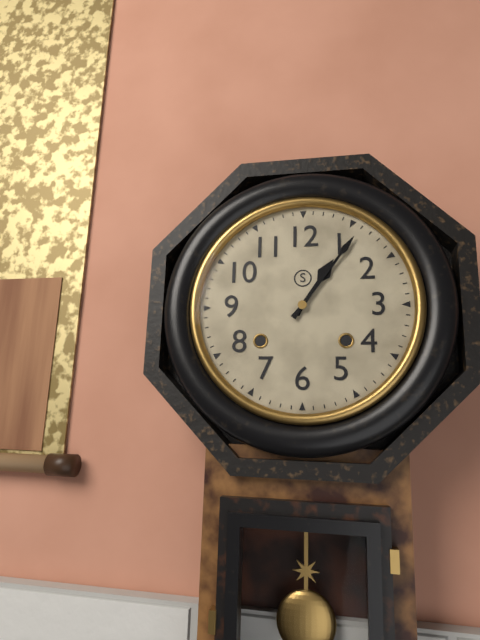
1:06
